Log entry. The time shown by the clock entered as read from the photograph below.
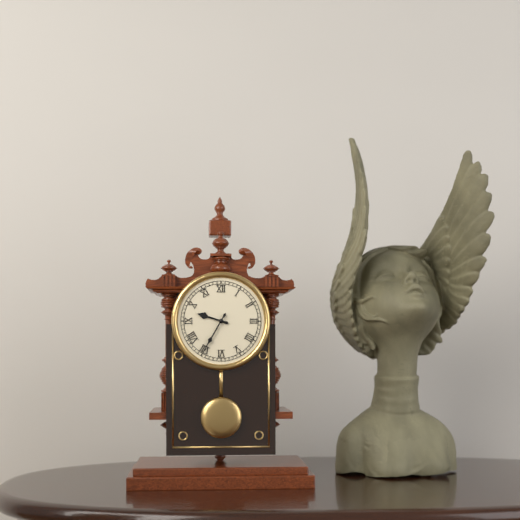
9:35
